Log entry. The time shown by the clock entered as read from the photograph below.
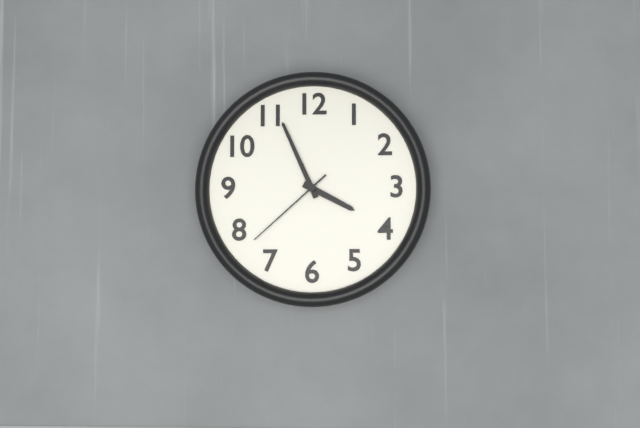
3:56:38
